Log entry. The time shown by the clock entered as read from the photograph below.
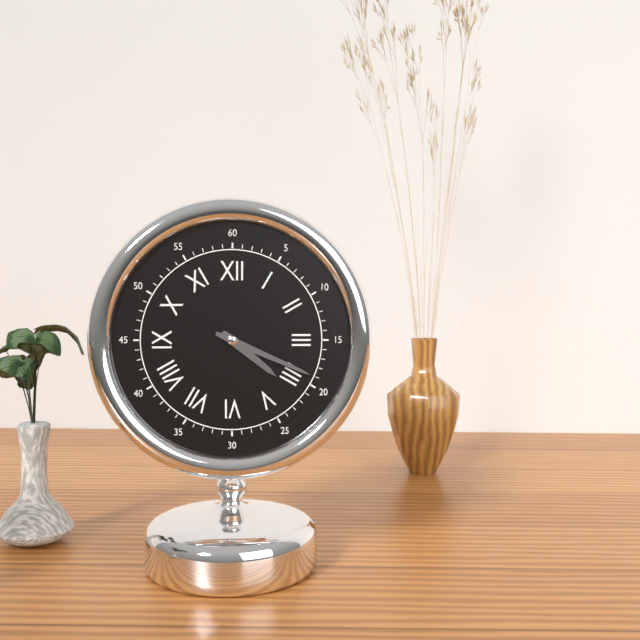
4:19
